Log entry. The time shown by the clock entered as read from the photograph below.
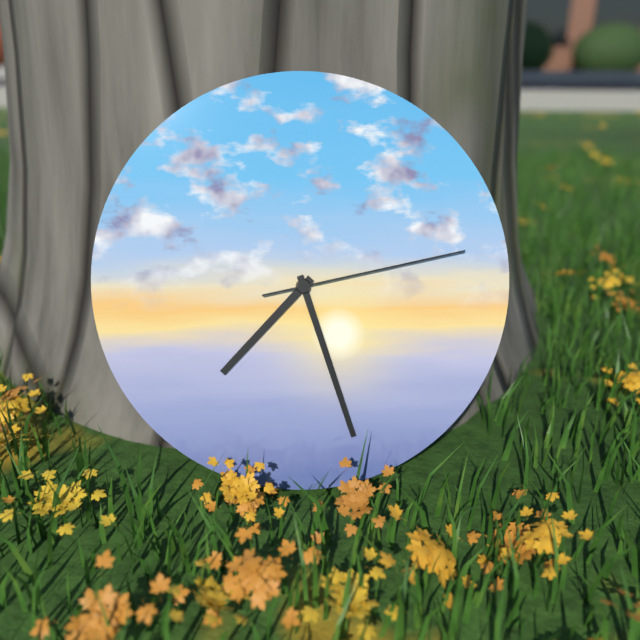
7:27:13
